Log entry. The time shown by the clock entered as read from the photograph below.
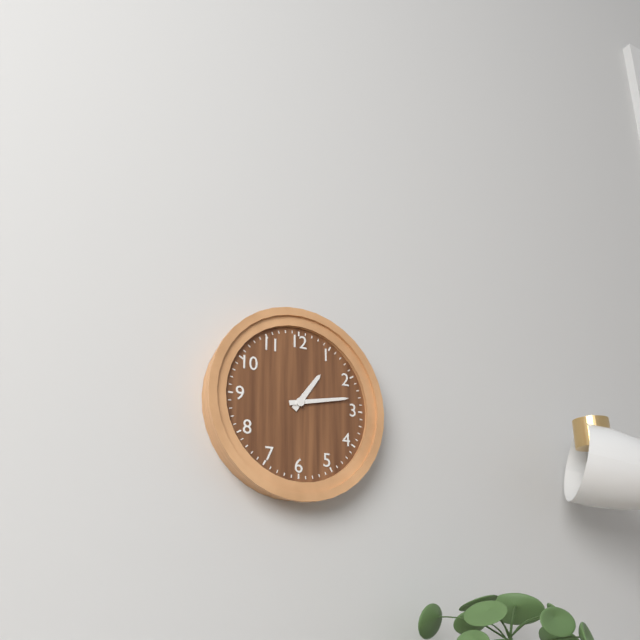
1:13
